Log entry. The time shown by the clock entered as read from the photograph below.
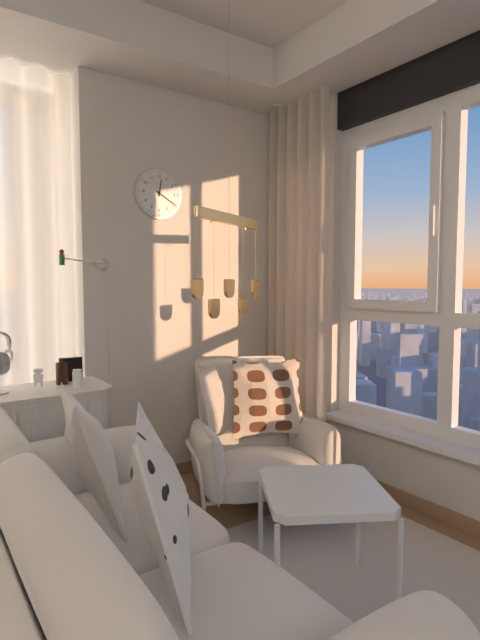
12:20
